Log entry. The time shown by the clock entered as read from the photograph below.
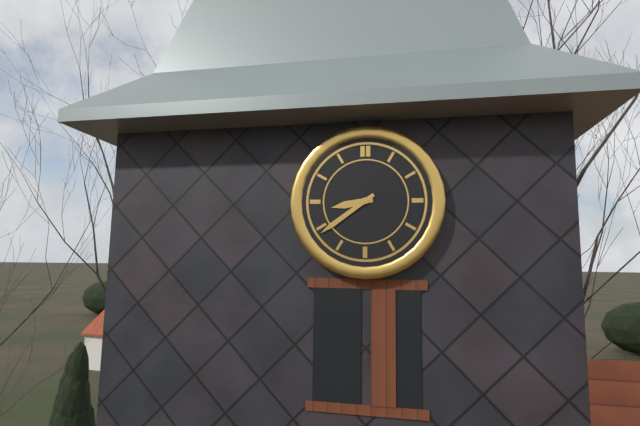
8:39
